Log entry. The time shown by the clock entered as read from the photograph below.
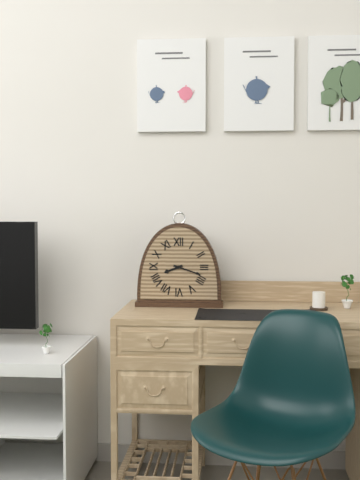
8:18
